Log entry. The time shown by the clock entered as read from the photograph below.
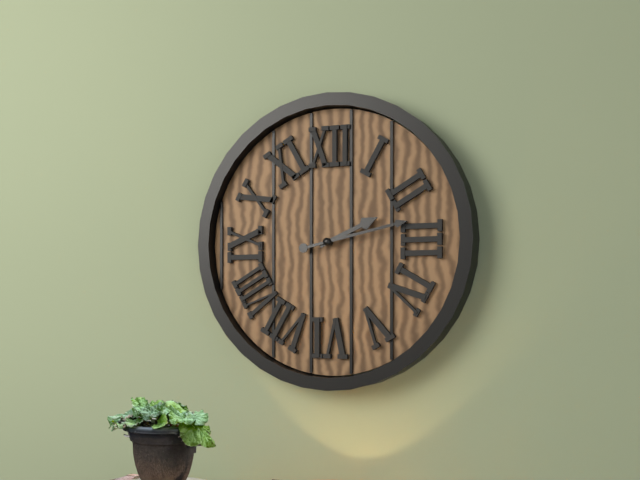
2:13
